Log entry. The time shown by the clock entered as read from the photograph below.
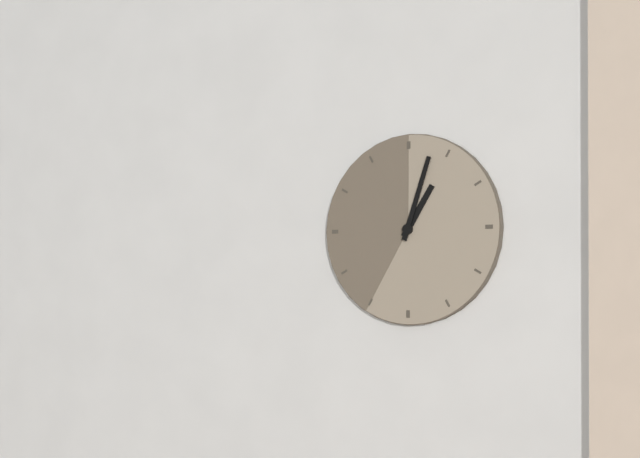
1:03
